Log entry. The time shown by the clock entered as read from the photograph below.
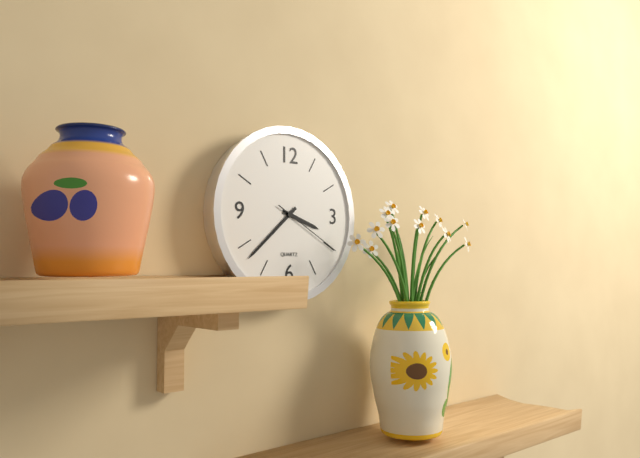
3:38:20
